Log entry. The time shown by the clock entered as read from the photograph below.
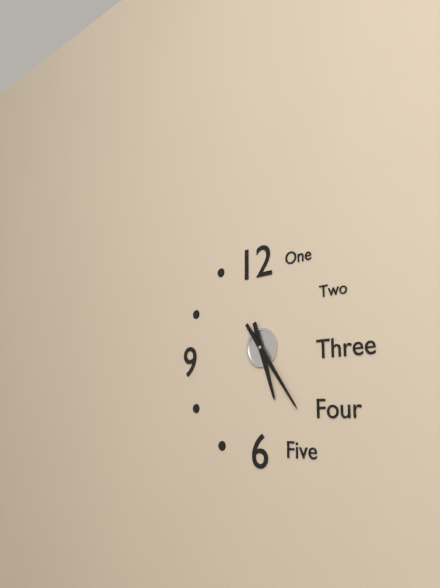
5:24
